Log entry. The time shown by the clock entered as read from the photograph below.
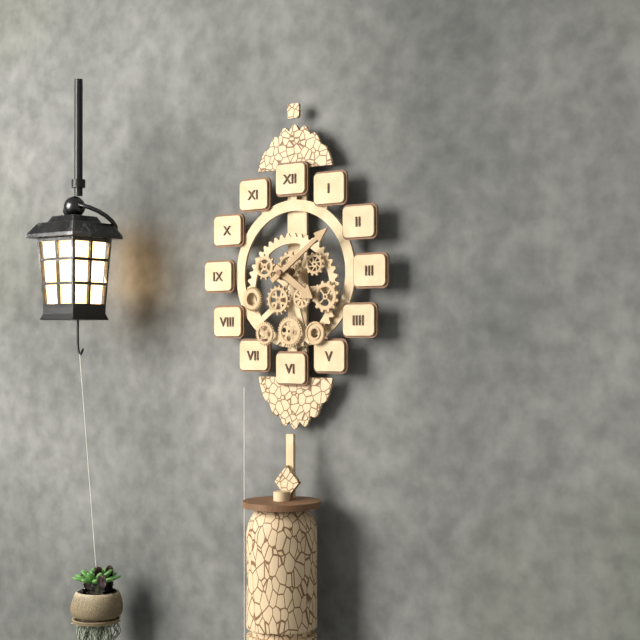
4:09
